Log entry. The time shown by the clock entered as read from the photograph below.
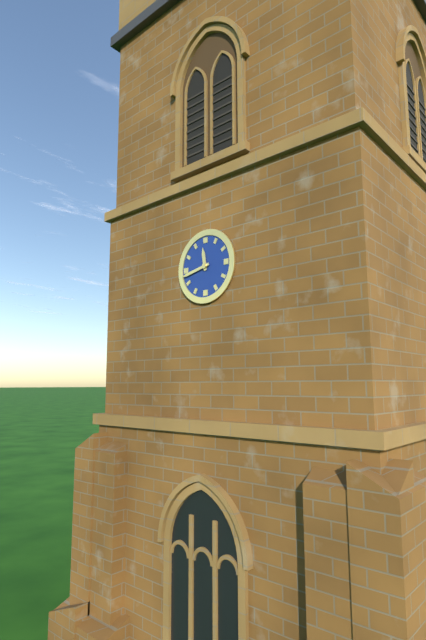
11:43
